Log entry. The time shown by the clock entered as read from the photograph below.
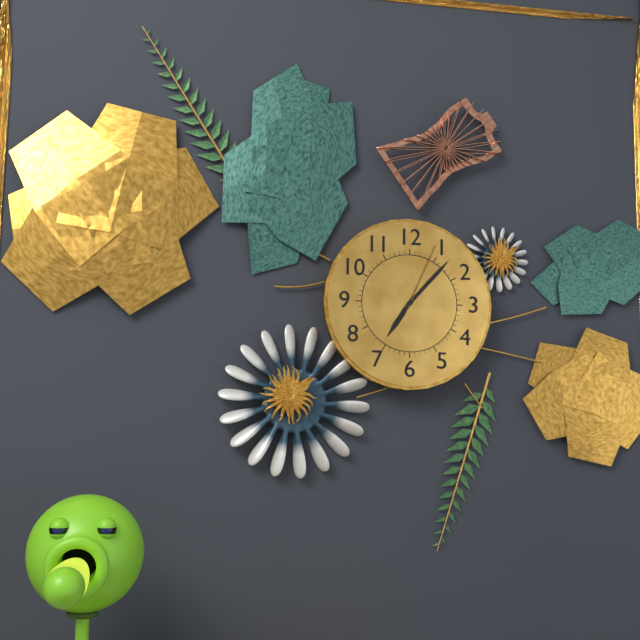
7:07:04
